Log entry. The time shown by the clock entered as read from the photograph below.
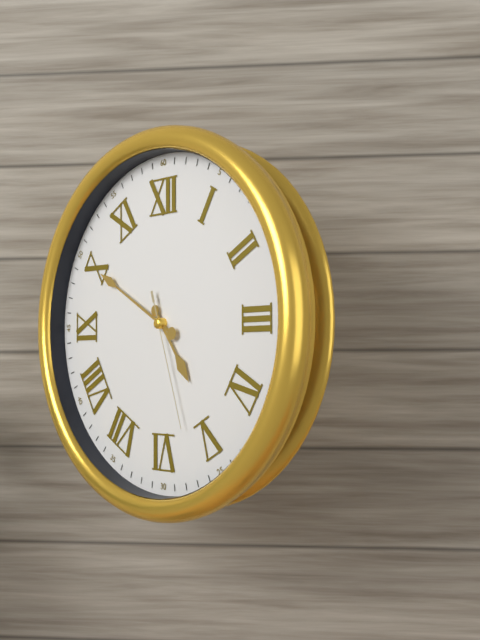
4:50:27
